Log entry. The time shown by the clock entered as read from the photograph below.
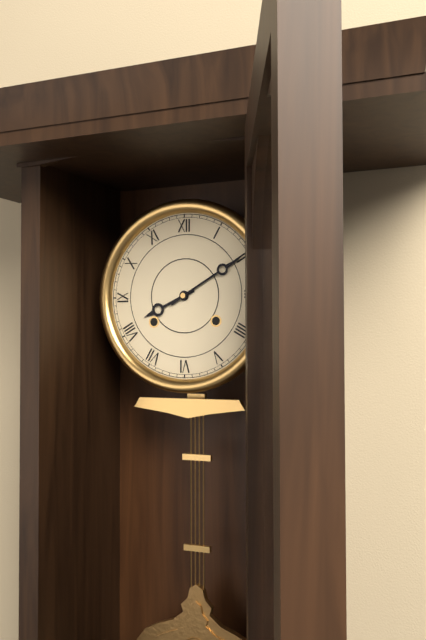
8:10
